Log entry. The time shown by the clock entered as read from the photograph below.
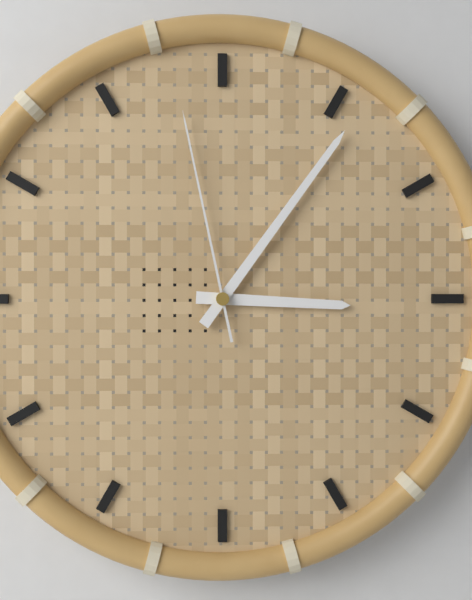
3:06:58
